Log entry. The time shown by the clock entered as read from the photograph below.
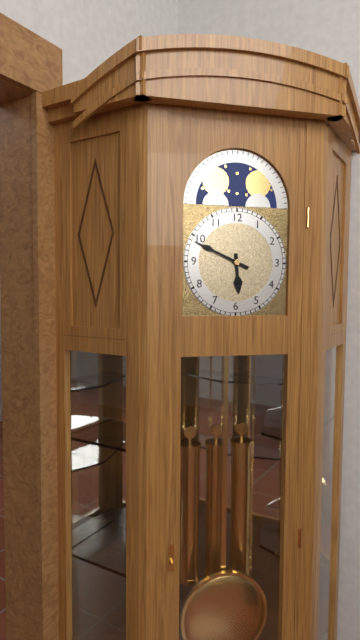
5:49
